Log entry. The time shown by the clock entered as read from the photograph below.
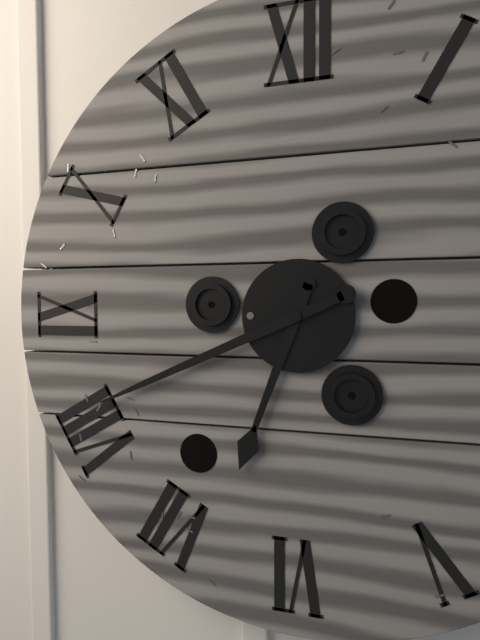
6:41
